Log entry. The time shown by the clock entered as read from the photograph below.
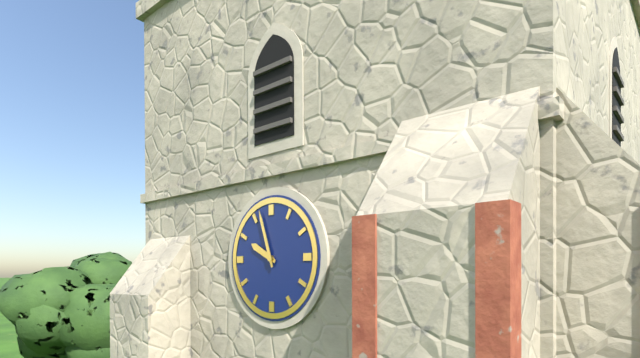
9:57
